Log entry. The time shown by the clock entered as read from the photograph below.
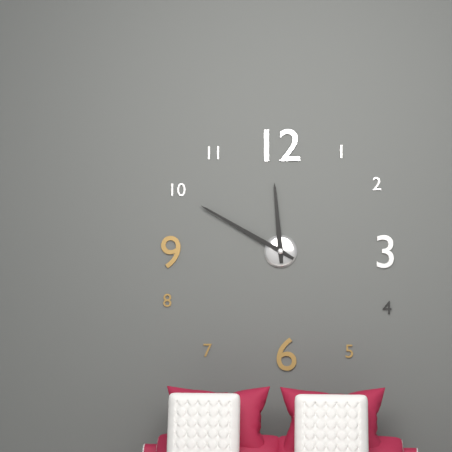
11:50
